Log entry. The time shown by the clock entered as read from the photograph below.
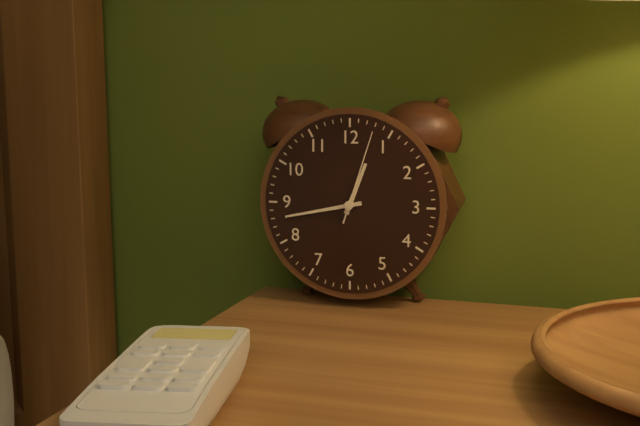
12:43:03
